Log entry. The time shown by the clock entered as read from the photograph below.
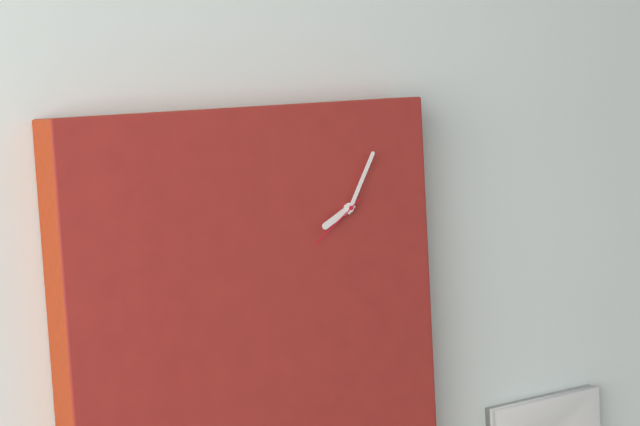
8:05:39
